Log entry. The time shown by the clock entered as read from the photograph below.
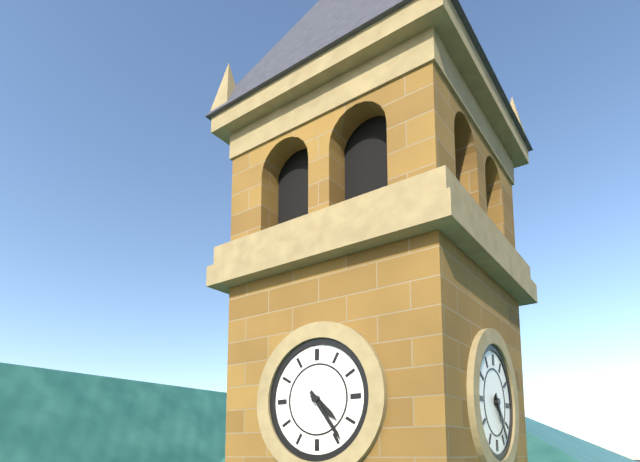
4:24
